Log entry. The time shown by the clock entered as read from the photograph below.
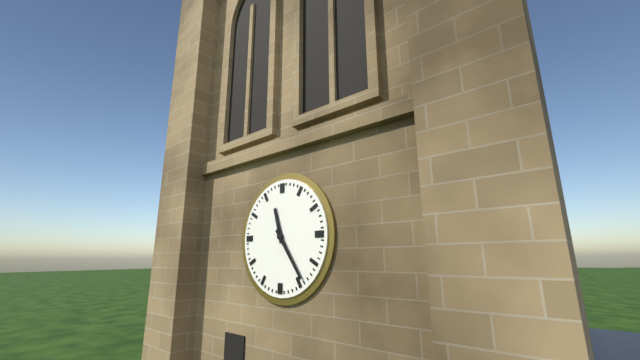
11:24
